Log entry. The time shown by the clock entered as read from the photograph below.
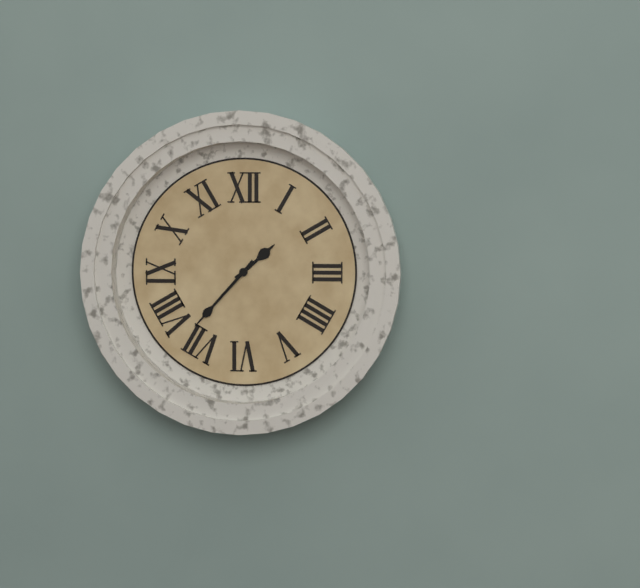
1:37
